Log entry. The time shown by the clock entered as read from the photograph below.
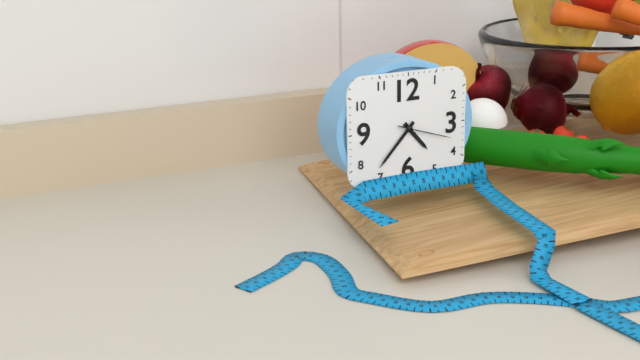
4:37:18
